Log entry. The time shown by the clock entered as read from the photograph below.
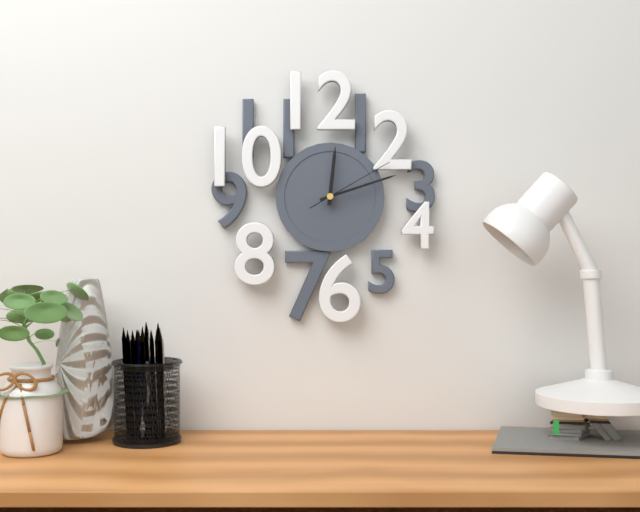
12:12:10
